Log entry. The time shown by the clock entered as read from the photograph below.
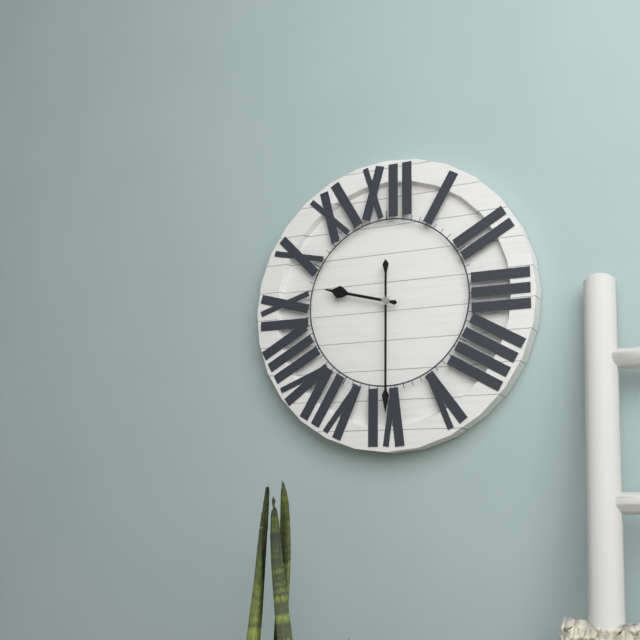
9:30
